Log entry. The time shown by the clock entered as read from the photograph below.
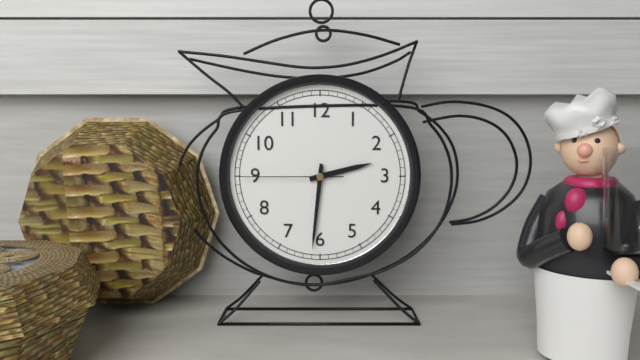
2:31:45
